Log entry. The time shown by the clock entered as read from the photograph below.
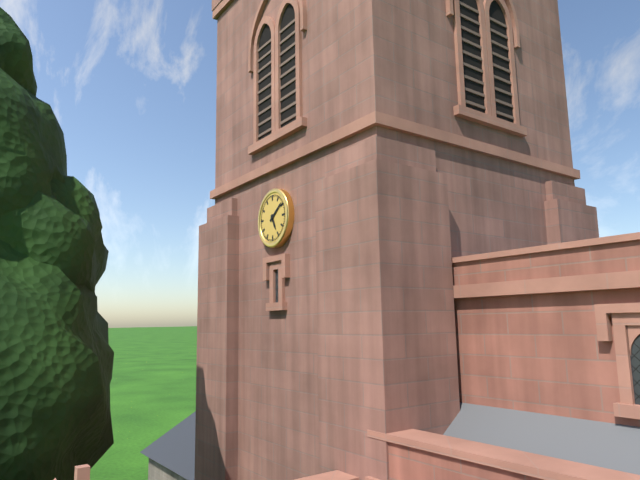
5:09
